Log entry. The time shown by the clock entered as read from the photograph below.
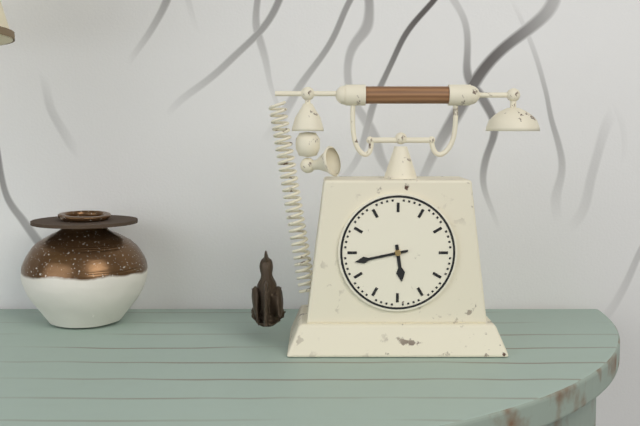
5:43
